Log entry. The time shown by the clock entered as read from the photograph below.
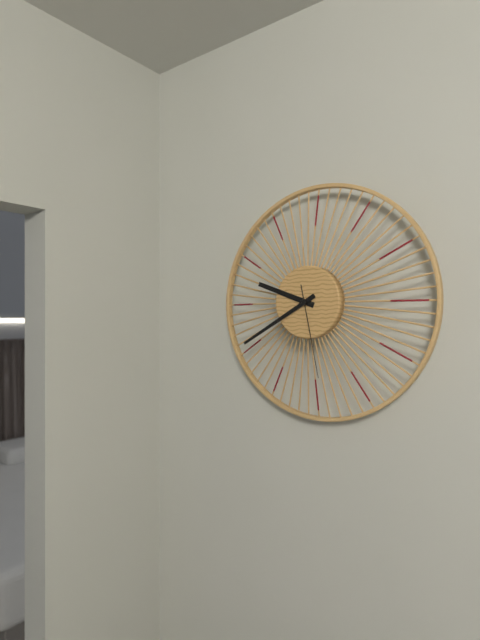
9:40:28
